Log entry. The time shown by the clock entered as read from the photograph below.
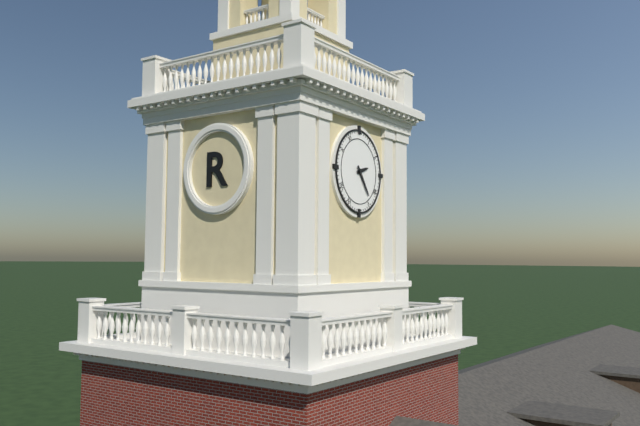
2:24
